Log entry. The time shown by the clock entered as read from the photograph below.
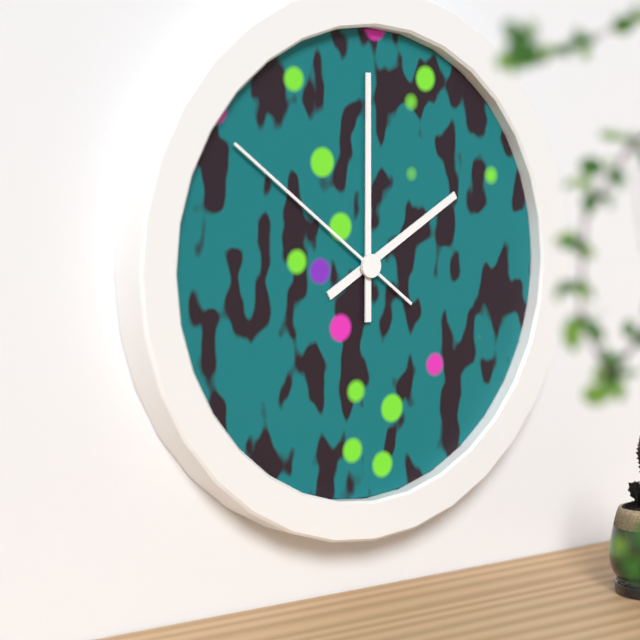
2:00:51
